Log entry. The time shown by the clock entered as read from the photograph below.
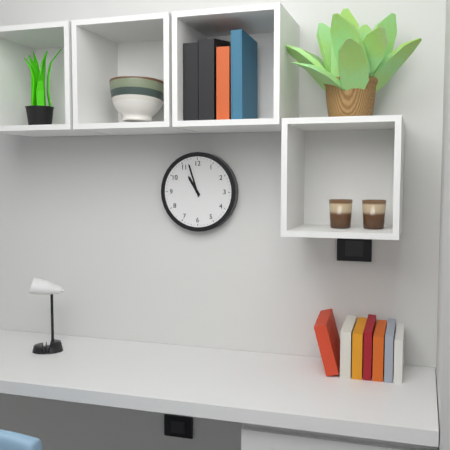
10:57
